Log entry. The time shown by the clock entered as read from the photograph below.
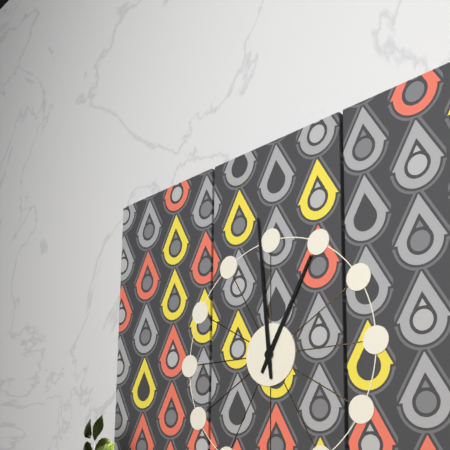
12:59
